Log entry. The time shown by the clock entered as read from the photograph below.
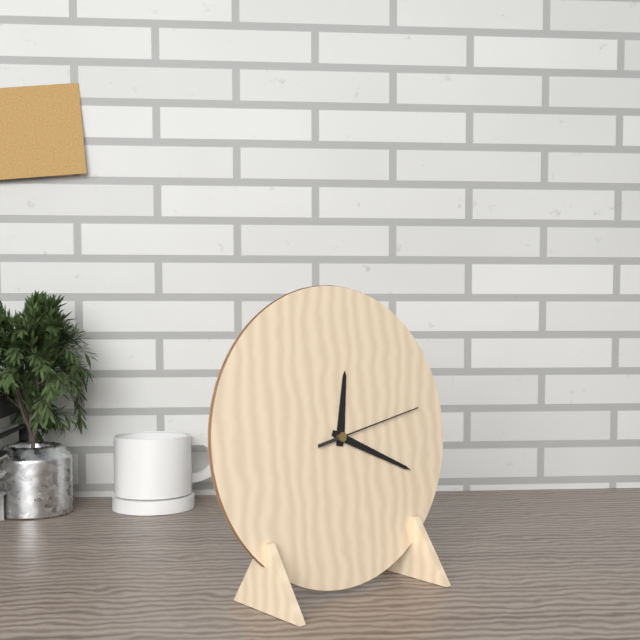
12:19:13
